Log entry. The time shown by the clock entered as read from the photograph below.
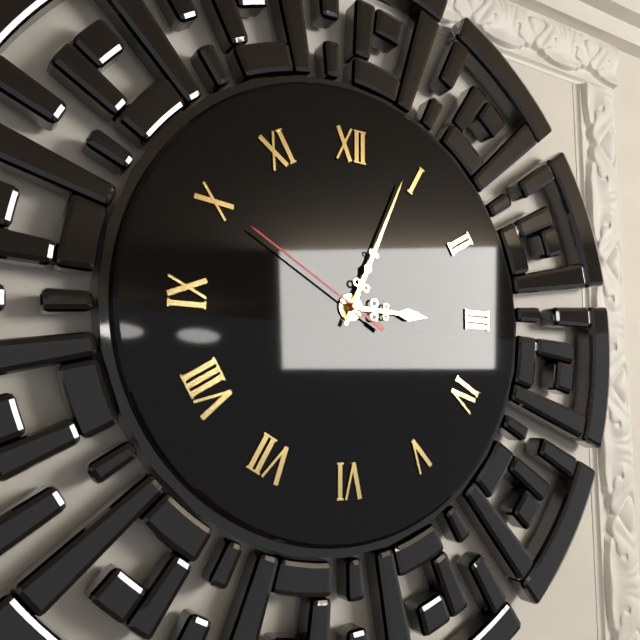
3:04:50
